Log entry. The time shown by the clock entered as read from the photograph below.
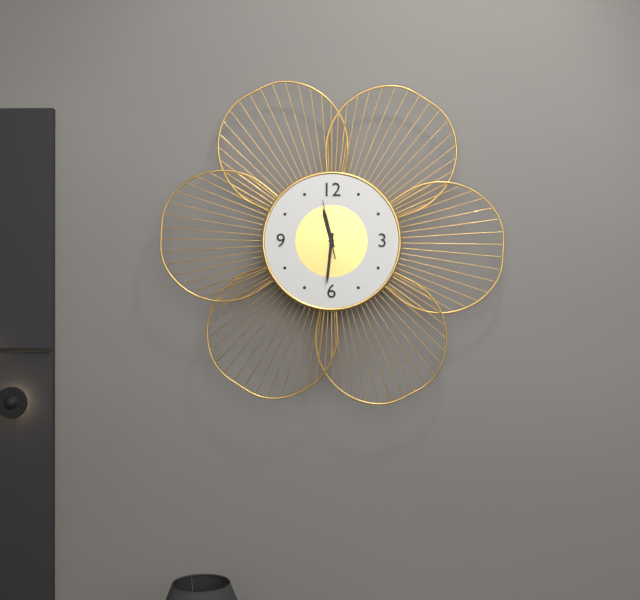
11:31:58
